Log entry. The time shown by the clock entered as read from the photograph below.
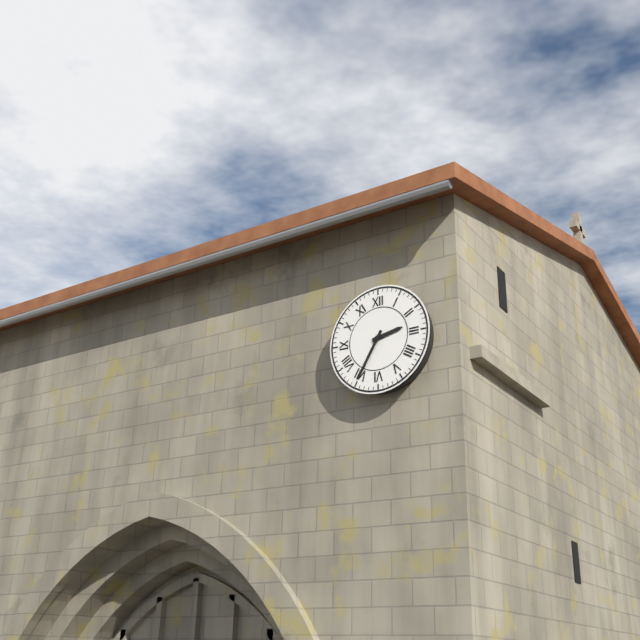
2:35
